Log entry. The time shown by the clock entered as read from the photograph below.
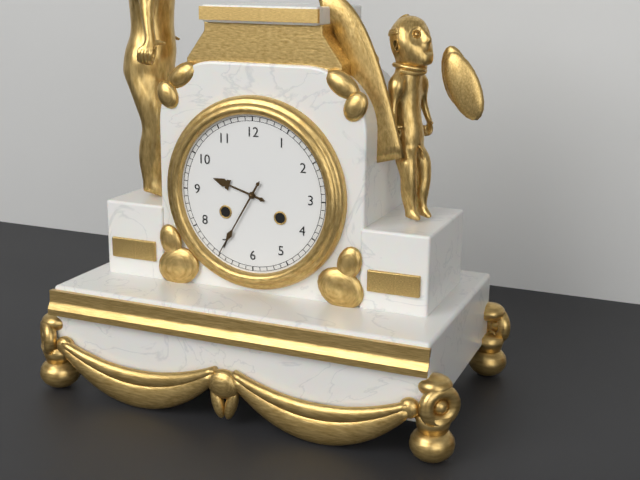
9:35
